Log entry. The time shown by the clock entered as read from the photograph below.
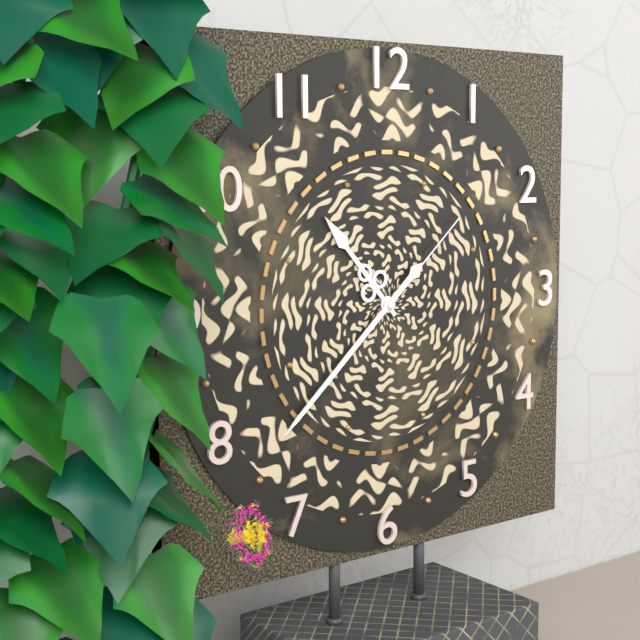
10:38:08
